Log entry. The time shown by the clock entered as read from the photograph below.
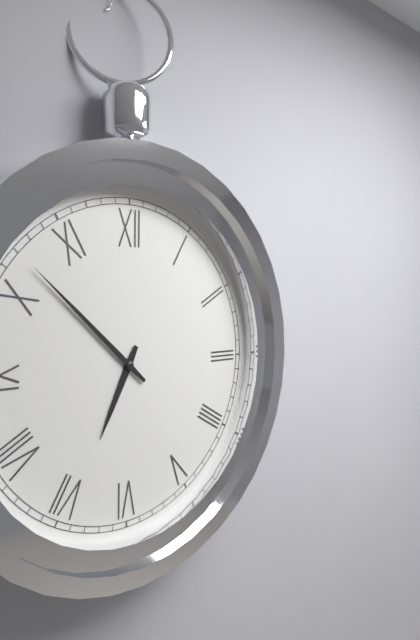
6:52
